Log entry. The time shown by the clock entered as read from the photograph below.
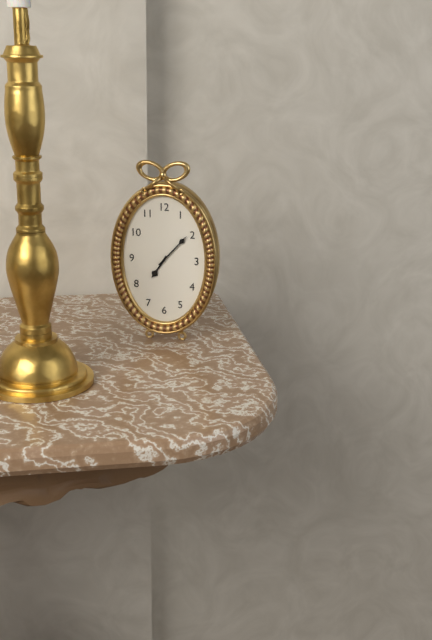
7:07
